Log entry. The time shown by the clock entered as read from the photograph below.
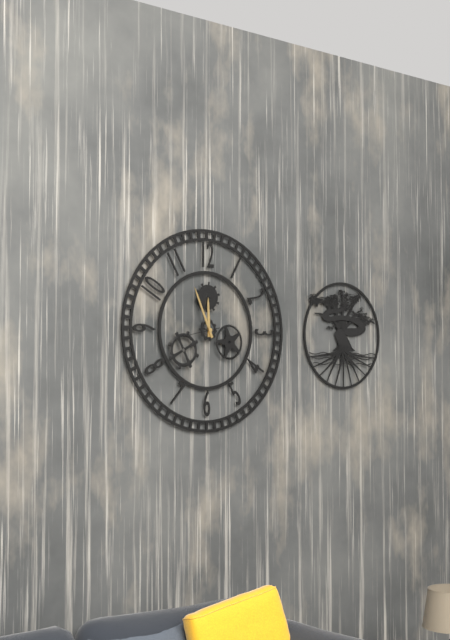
11:56
